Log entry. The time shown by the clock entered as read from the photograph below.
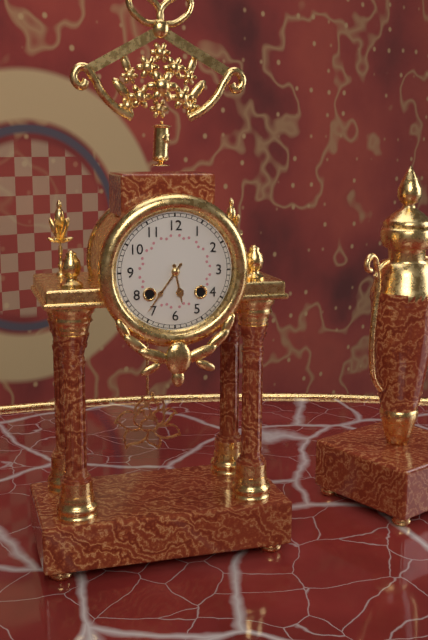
5:36
